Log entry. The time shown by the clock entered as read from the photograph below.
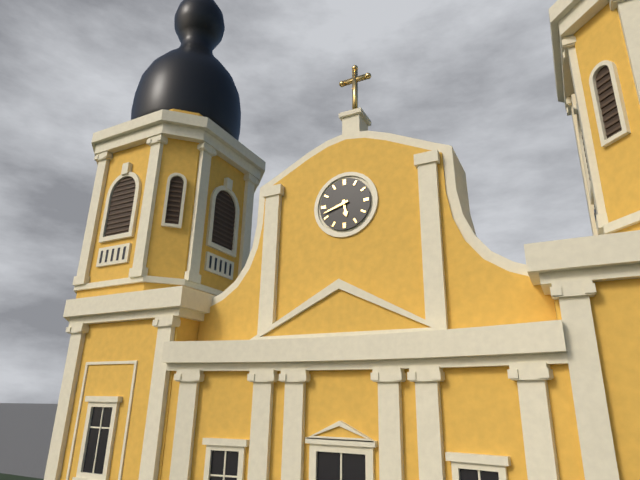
5:42
